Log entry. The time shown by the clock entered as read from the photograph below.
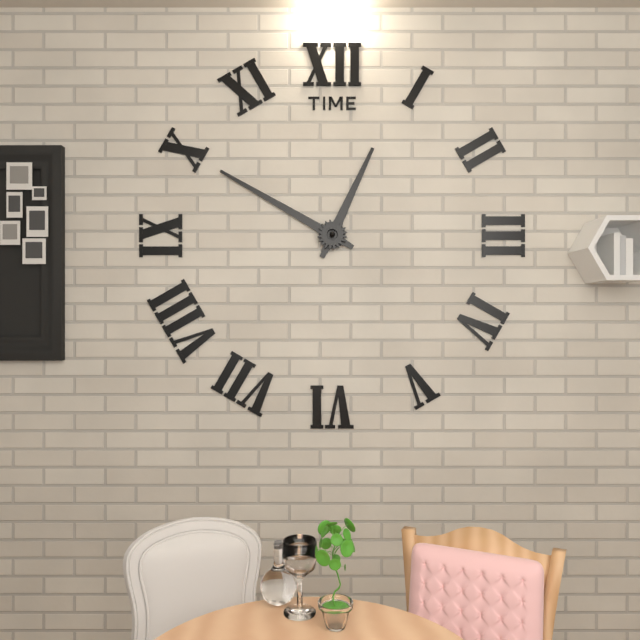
12:50
